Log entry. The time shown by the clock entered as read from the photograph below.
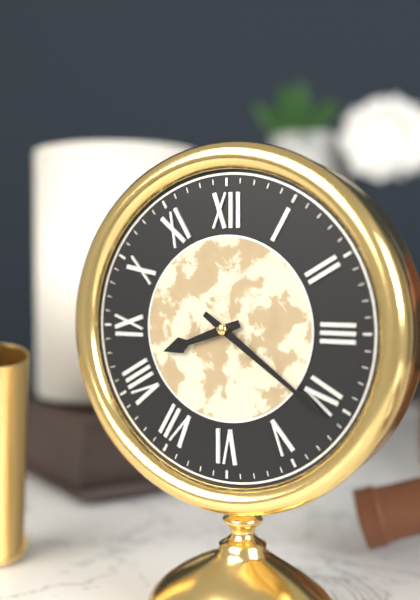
8:21
